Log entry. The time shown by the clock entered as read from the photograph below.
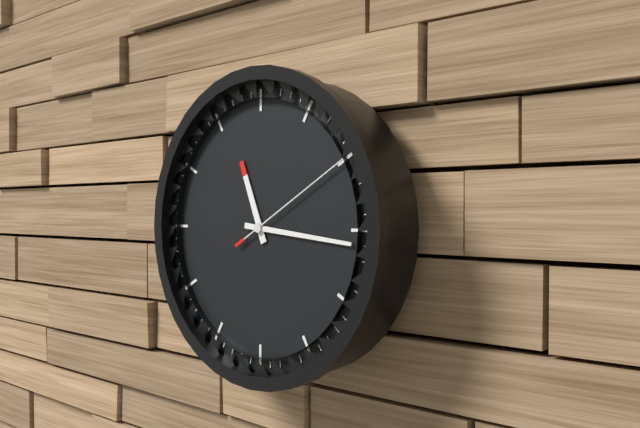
11:16:10
